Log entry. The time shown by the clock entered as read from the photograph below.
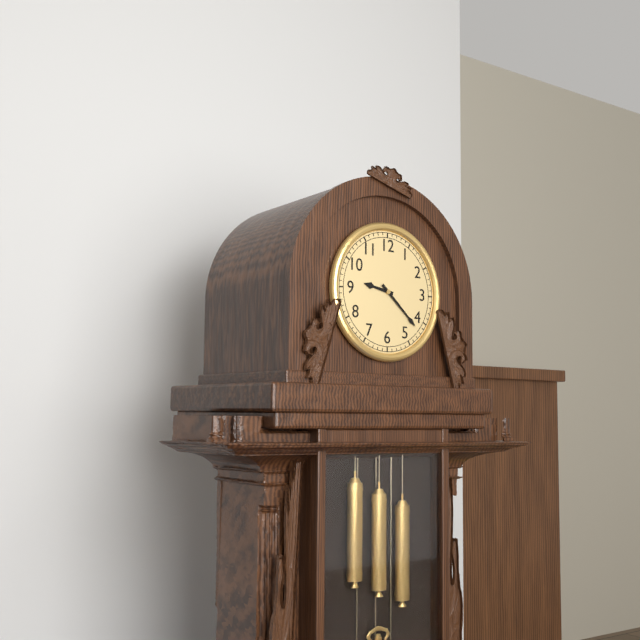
9:22
